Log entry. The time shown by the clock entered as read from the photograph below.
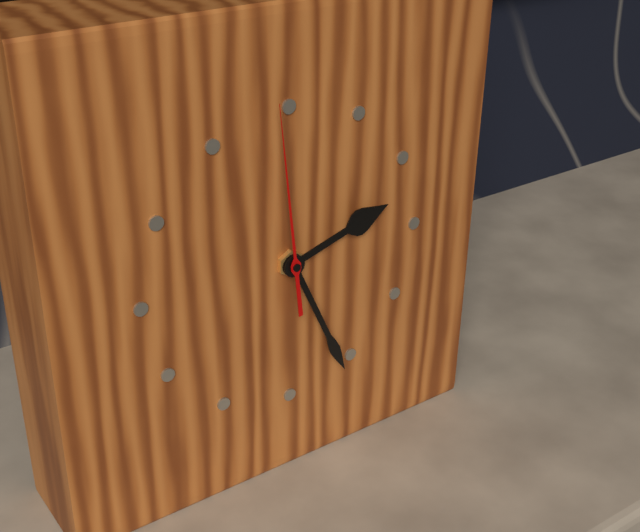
2:26:59
